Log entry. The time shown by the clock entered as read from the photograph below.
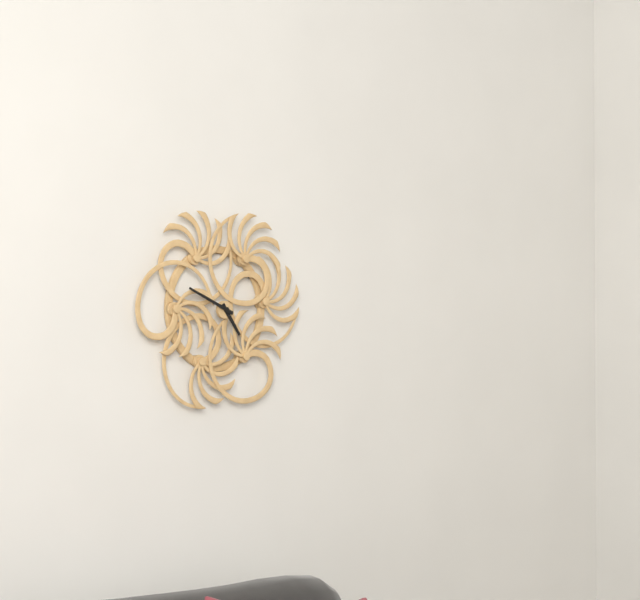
4:49
